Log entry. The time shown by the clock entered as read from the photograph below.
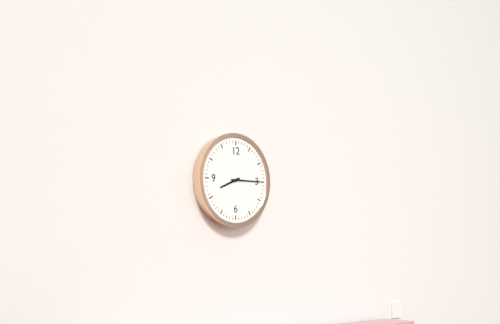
8:15
